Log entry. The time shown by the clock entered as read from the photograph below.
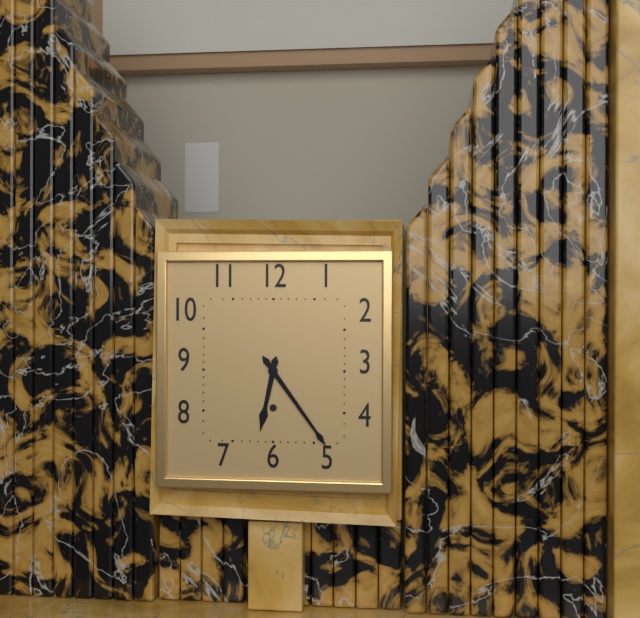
6:24
